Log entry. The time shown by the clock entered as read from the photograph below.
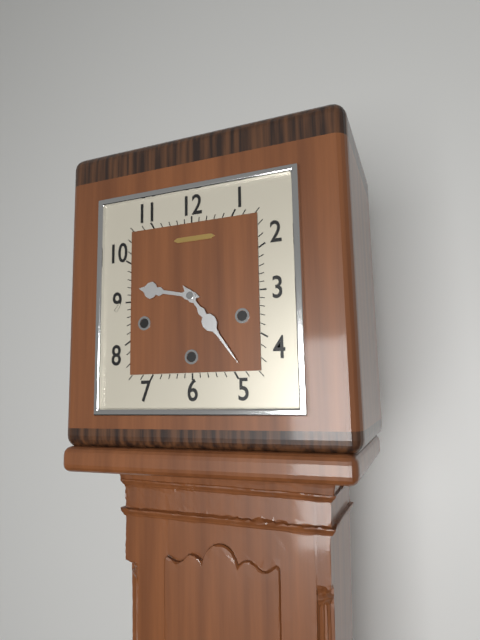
9:24
